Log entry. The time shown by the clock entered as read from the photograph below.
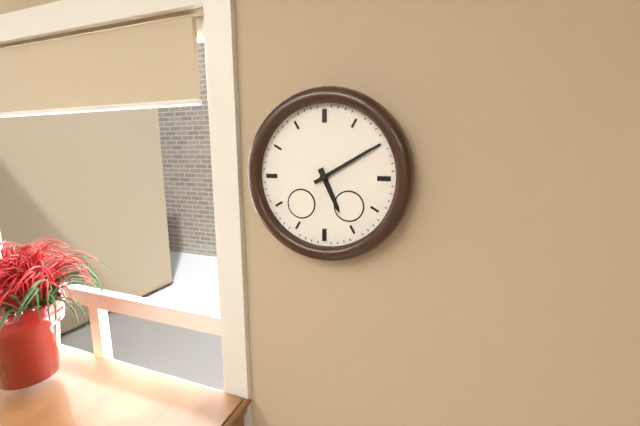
5:10
